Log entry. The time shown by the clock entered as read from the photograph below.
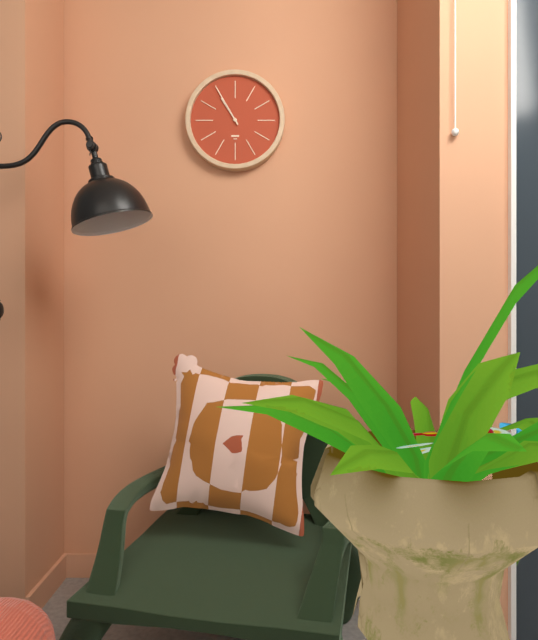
10:55
